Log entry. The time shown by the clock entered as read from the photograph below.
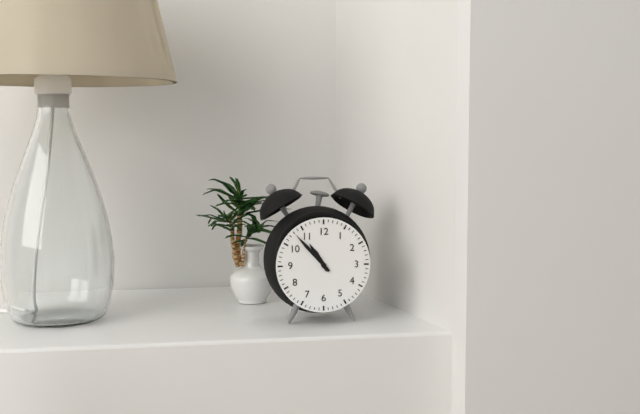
10:53
